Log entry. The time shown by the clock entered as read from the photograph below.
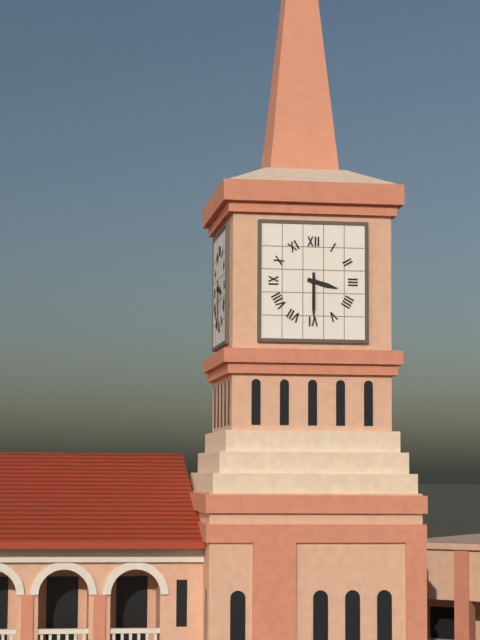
3:30
